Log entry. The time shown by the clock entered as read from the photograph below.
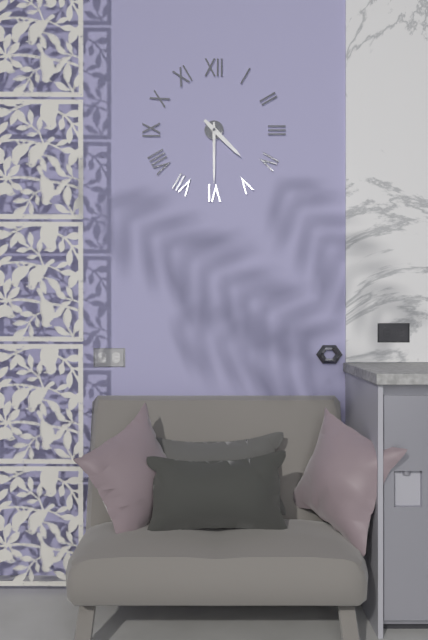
4:30
